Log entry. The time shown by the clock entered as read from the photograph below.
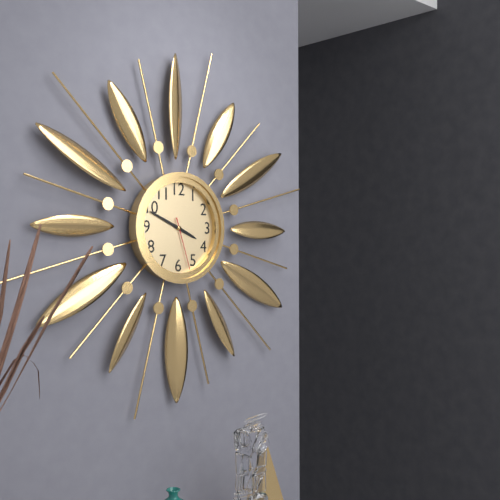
3:49:27
